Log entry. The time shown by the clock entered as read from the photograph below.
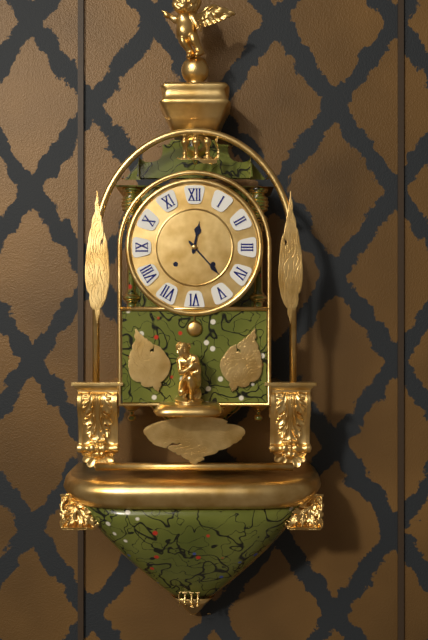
12:23
